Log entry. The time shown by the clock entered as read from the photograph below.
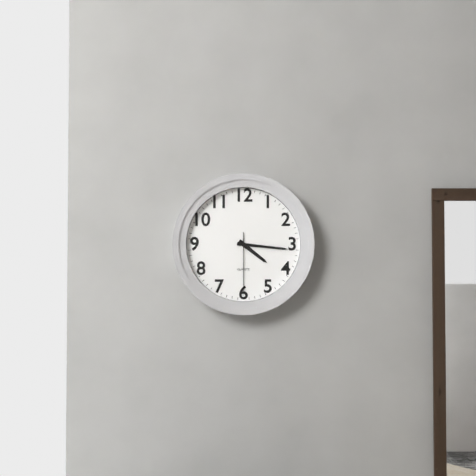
4:16:30
